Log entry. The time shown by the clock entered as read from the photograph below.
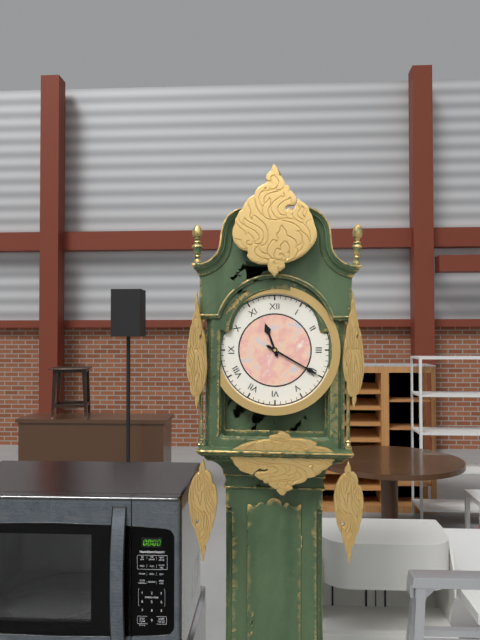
11:20
